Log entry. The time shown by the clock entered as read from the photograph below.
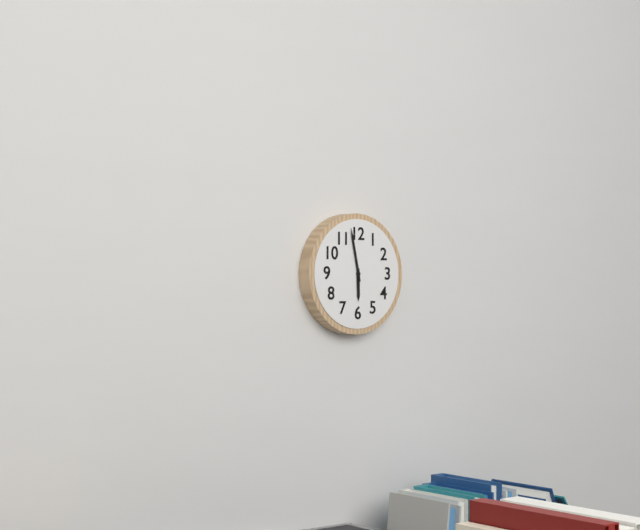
5:58
